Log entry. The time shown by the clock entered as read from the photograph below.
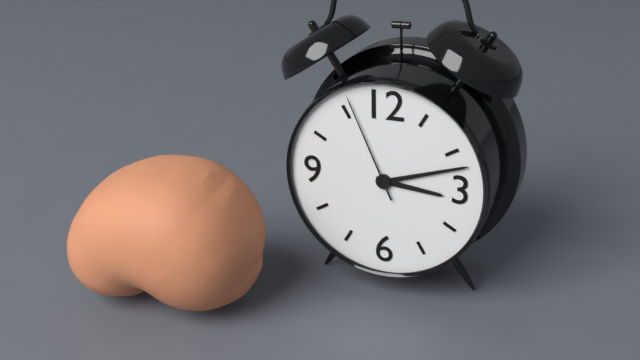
3:12:56
